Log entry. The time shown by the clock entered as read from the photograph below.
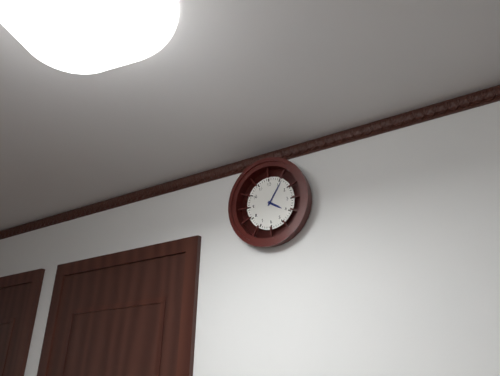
4:06
